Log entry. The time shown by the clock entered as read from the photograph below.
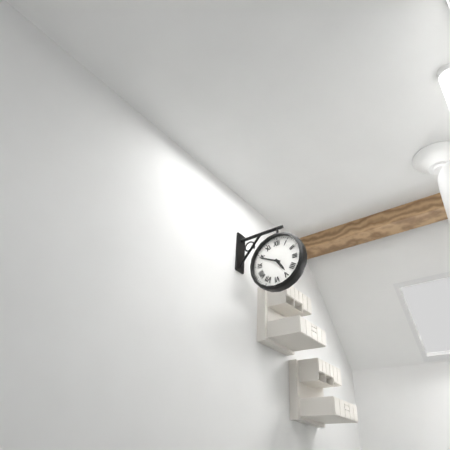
4:49
